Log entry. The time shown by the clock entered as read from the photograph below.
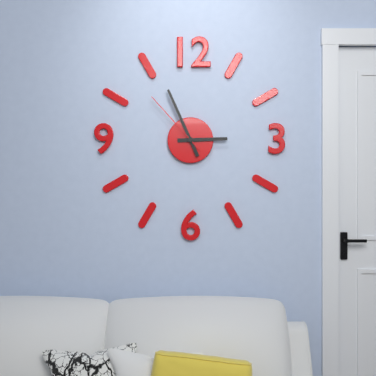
2:56:53
